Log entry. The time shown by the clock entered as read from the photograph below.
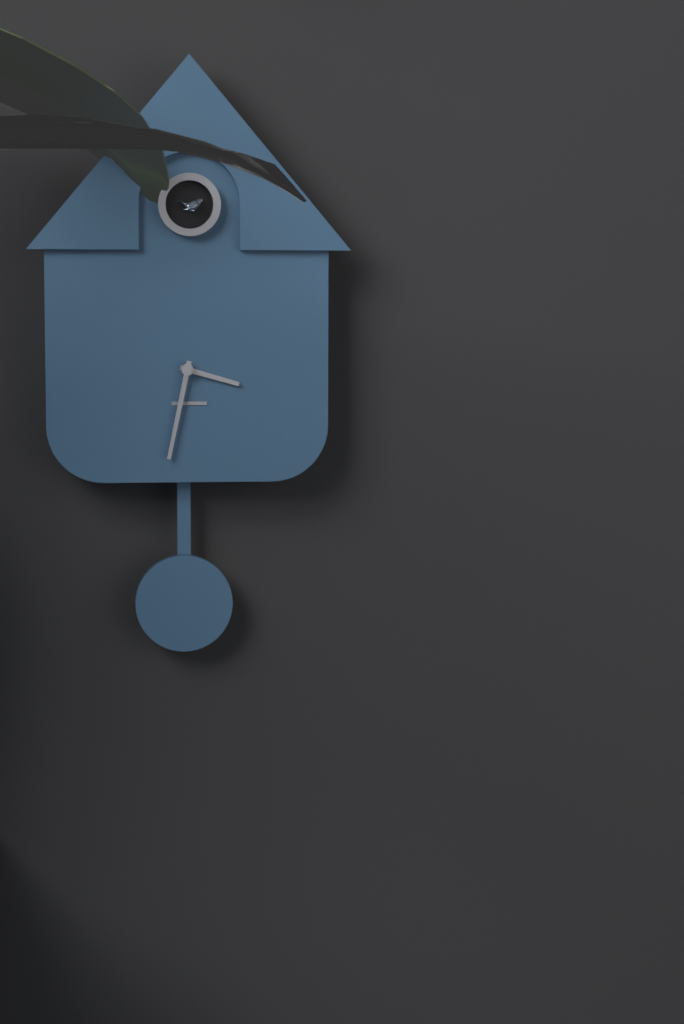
3:32
